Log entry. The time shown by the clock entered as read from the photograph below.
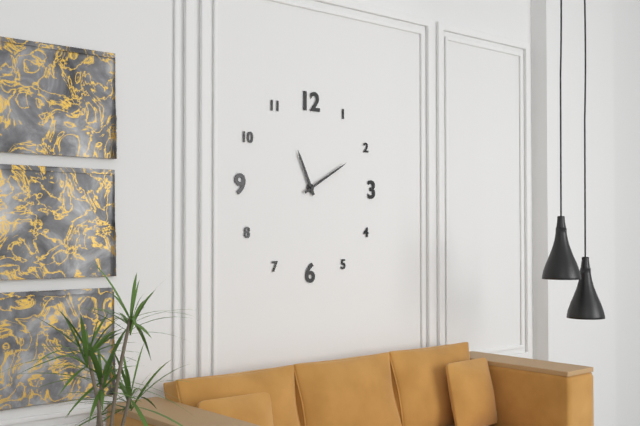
11:10
